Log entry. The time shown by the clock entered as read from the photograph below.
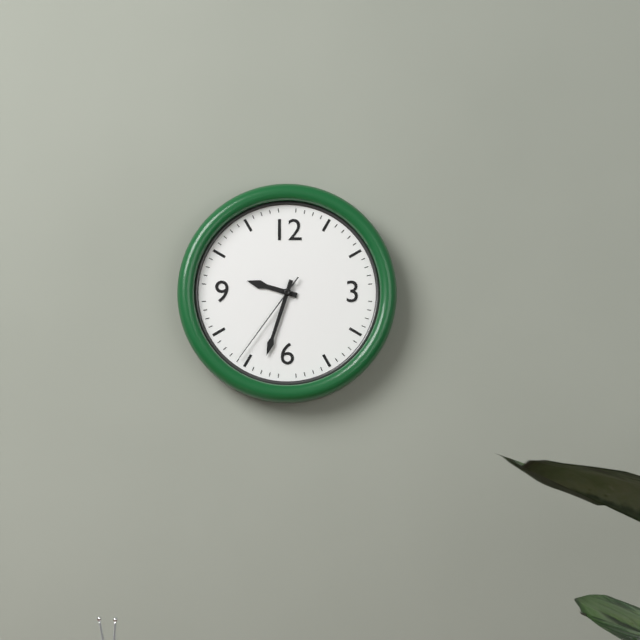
9:33:36
